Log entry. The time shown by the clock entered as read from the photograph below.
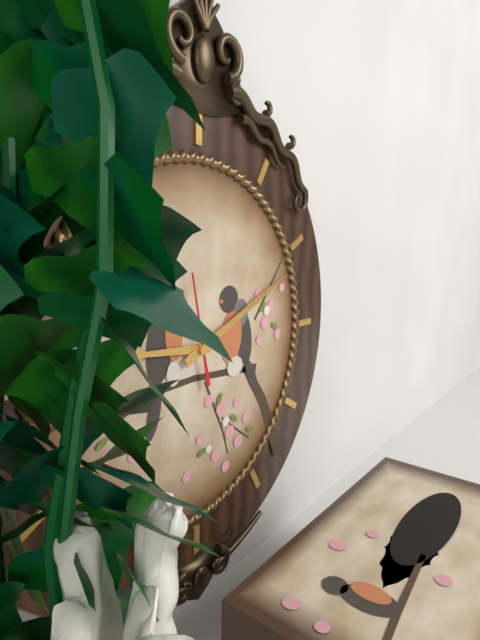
9:11:58
